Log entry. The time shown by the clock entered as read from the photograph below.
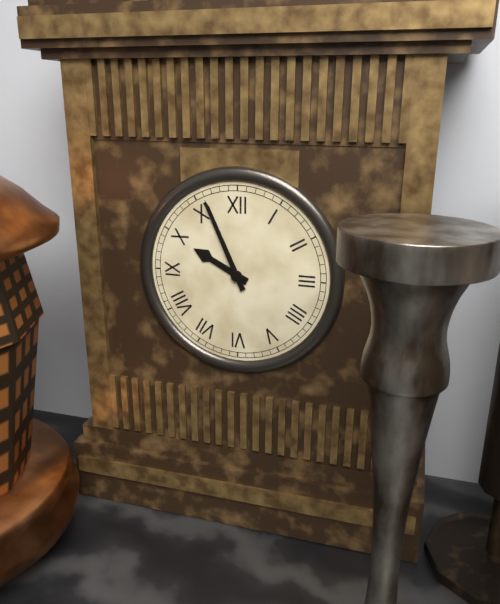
9:56
